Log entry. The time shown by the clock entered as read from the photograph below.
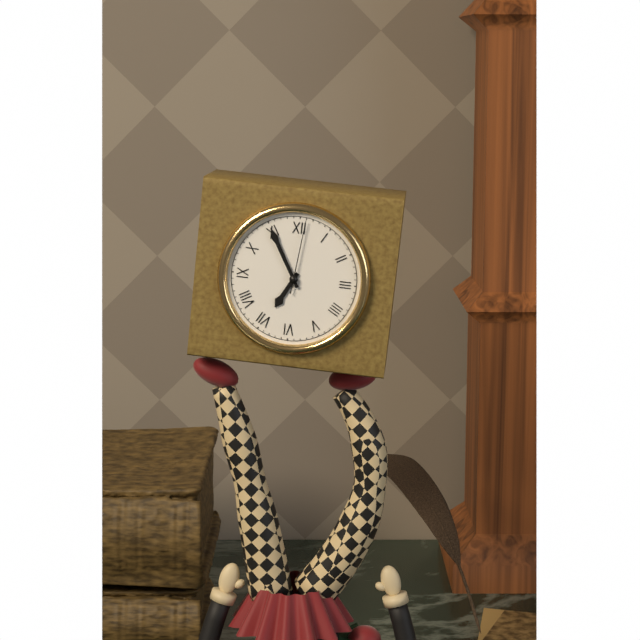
6:55:01
